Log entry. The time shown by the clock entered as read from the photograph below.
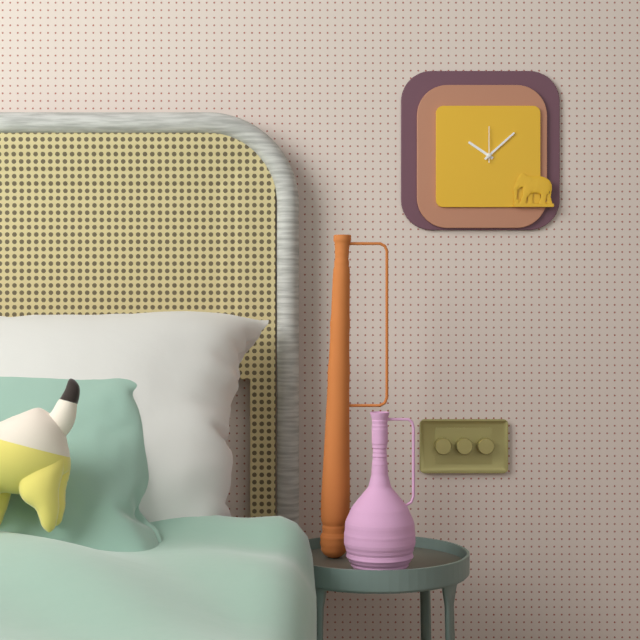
10:08
